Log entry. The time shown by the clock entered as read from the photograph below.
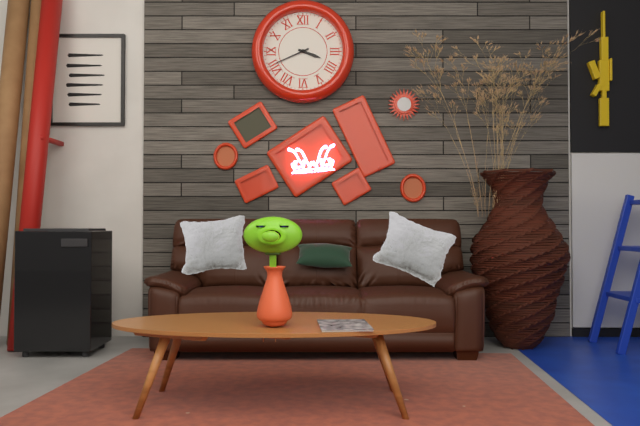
3:41
